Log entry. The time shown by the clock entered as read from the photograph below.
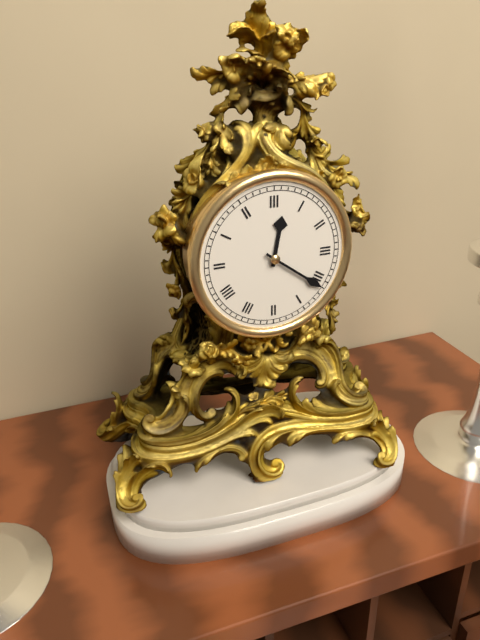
12:21
